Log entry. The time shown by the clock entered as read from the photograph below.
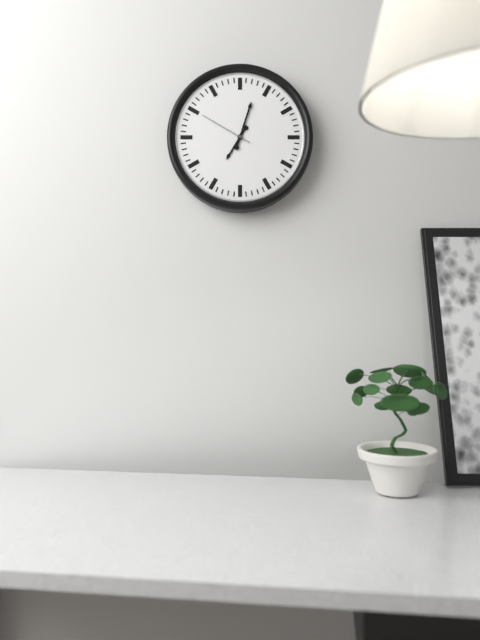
7:03:50
